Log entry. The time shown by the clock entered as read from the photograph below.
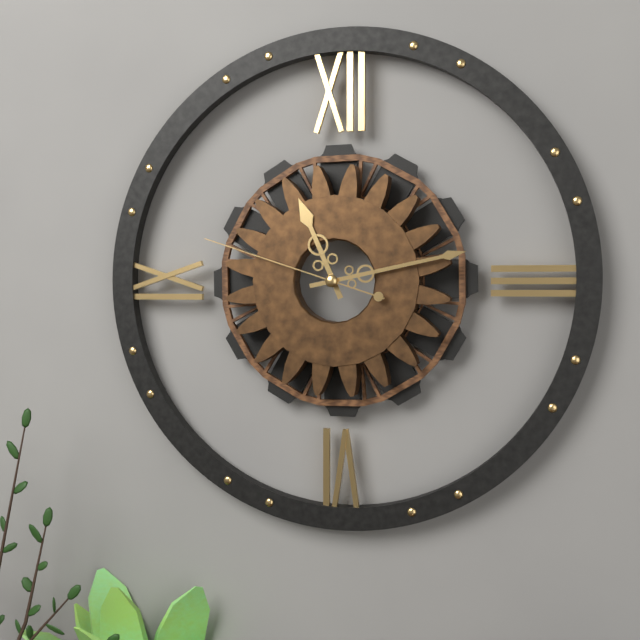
11:13:48
